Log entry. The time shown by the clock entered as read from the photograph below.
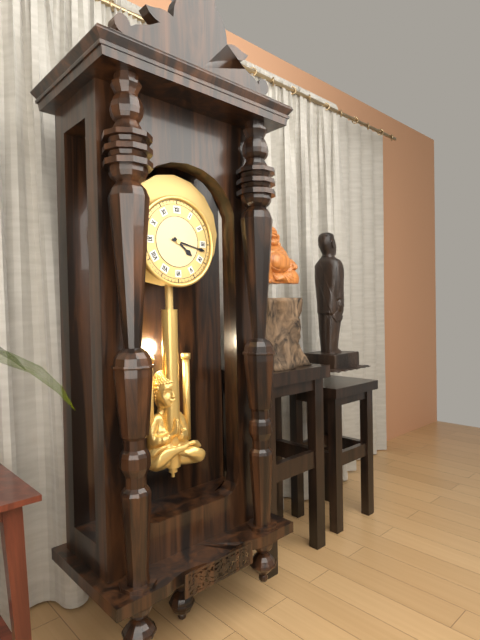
4:17
